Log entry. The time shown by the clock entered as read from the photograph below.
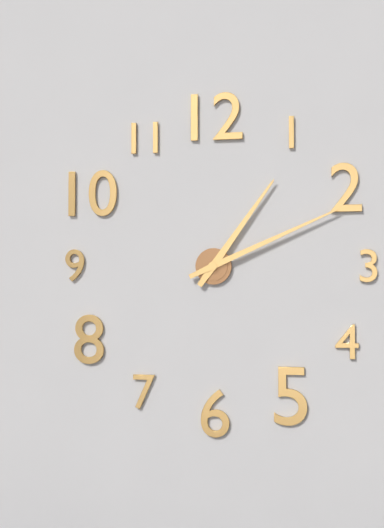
1:11
